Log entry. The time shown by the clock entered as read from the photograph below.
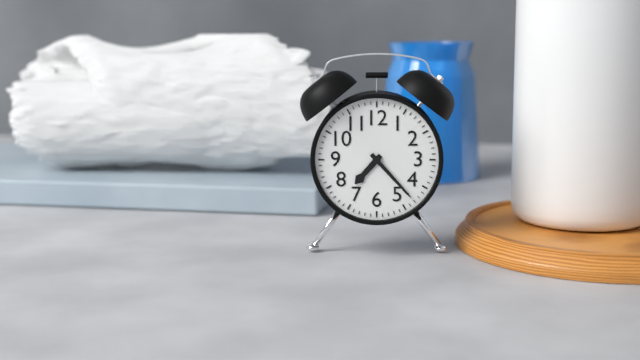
7:23
